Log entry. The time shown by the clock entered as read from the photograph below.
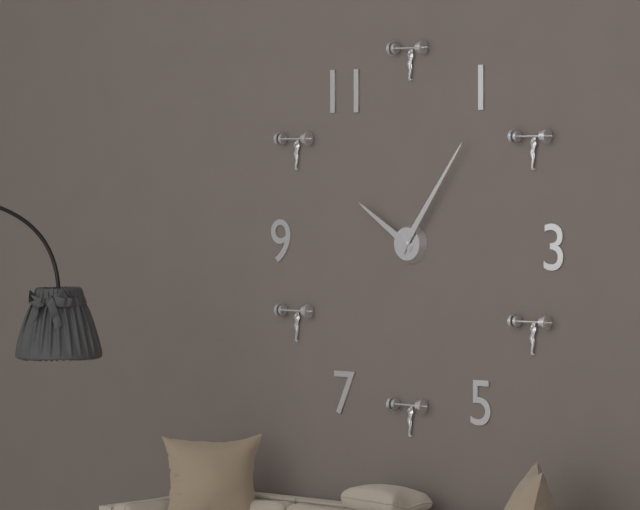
10:06
